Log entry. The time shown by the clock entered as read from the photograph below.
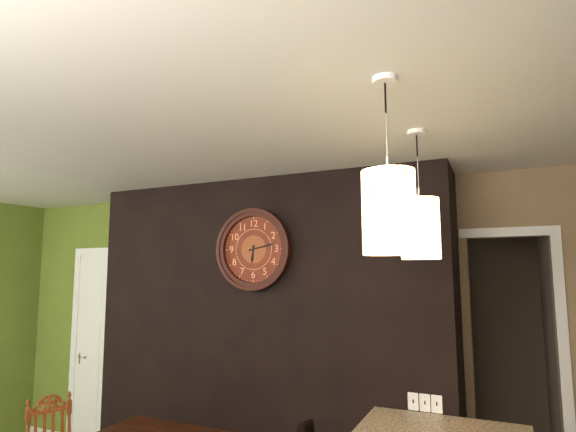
6:13
